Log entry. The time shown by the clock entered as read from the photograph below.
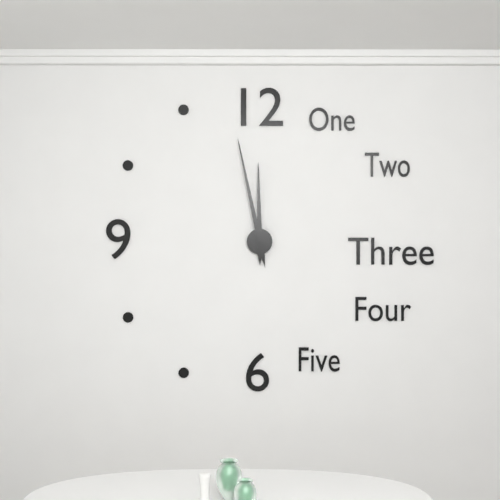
11:58
